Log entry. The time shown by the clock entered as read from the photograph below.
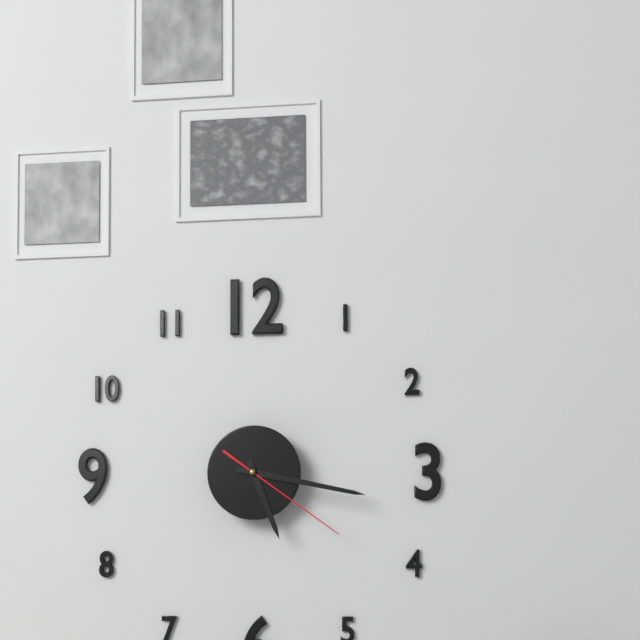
5:17:21
